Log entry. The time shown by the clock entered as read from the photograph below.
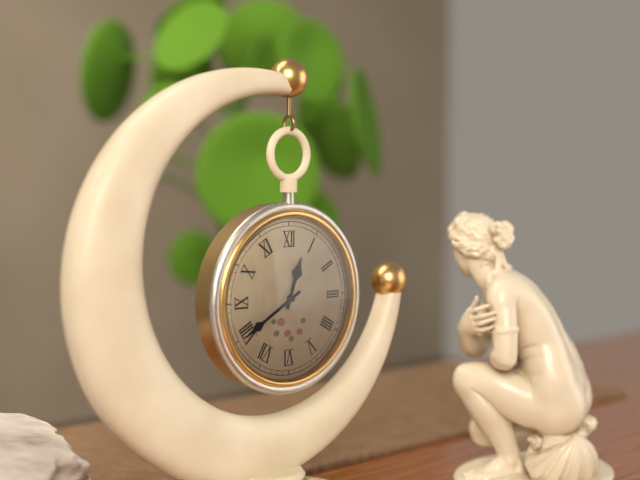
12:40
